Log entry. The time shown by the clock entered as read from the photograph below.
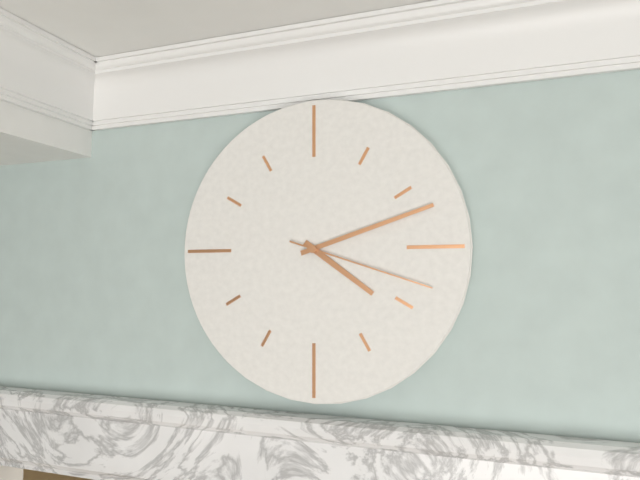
4:12:18
